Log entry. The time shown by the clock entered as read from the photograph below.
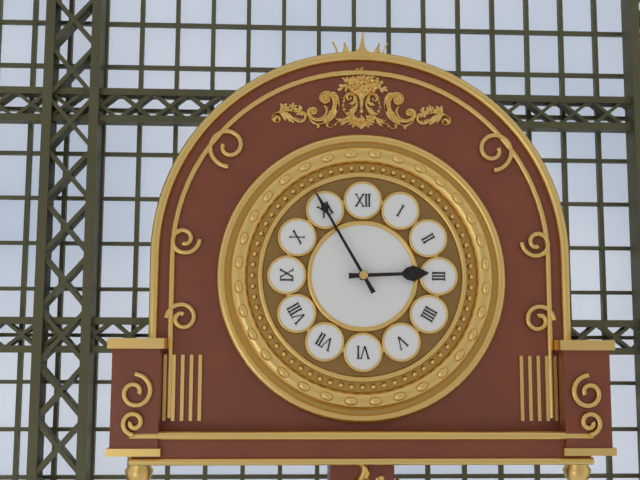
2:55
